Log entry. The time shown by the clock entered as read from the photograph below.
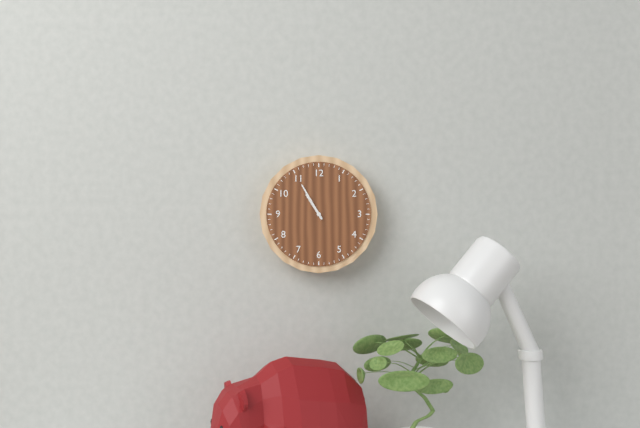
10:55
